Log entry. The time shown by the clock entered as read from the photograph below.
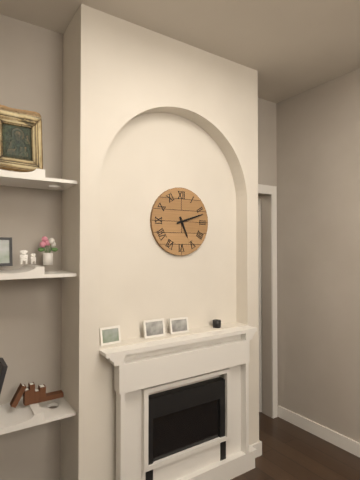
5:12
